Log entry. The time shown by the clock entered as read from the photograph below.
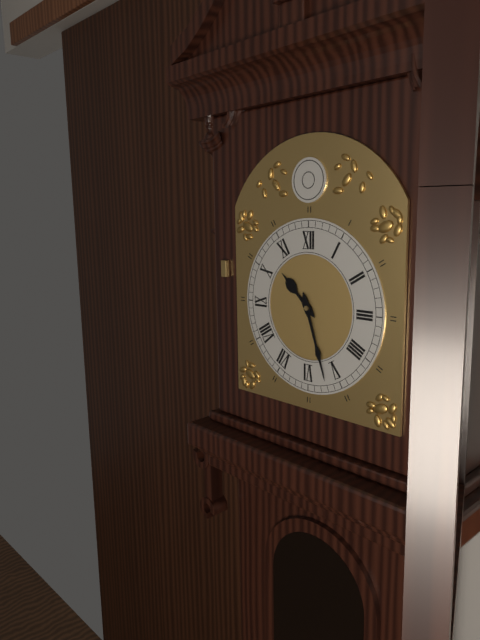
10:27
